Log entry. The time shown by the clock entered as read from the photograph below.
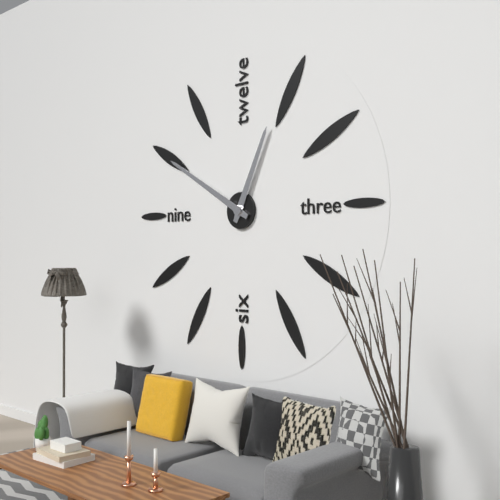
12:50
